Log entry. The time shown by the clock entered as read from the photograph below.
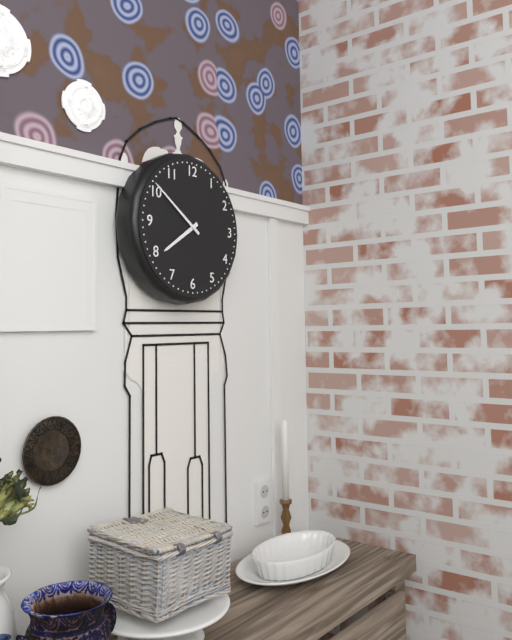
7:51
